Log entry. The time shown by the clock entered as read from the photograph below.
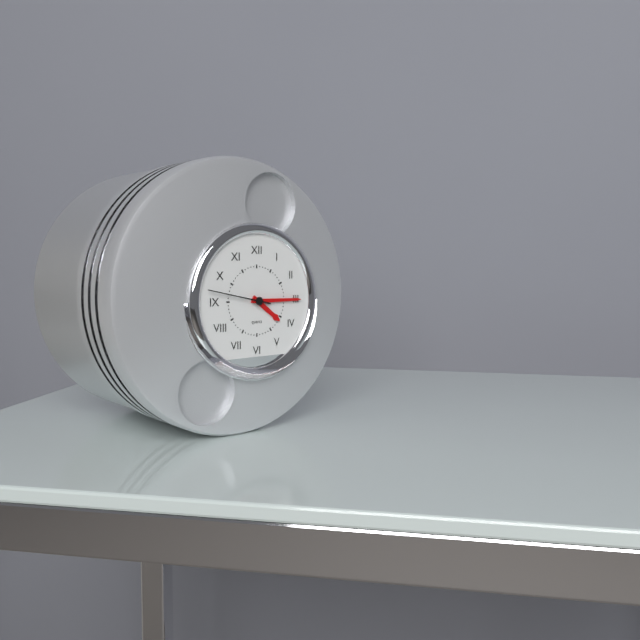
4:15:47
